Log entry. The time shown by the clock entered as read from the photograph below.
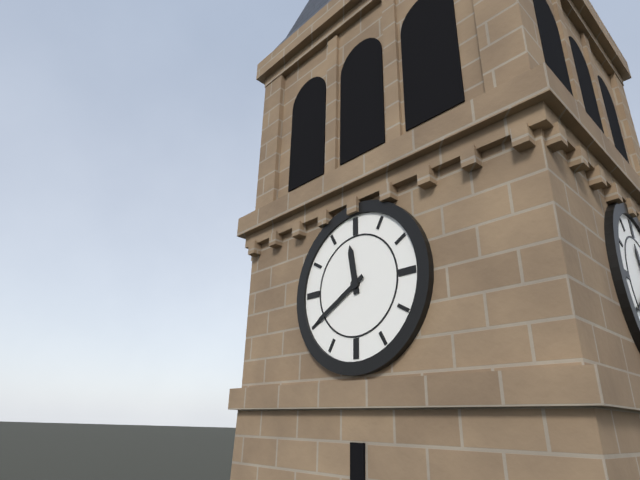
11:40
